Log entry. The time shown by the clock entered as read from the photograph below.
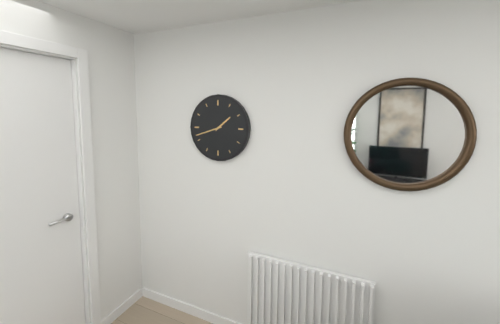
1:42
